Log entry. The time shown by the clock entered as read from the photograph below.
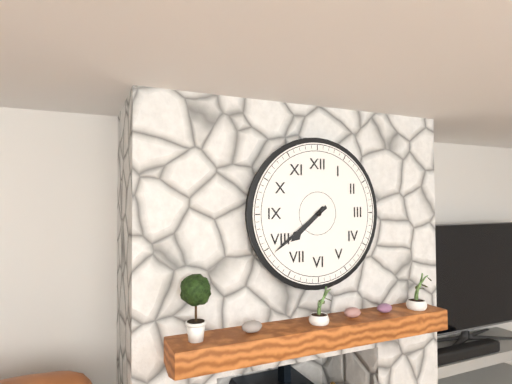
7:39
